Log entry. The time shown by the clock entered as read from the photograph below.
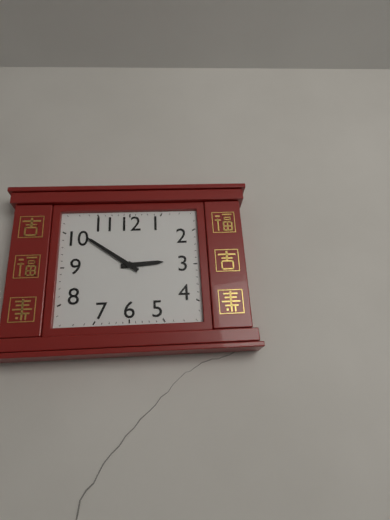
2:51
